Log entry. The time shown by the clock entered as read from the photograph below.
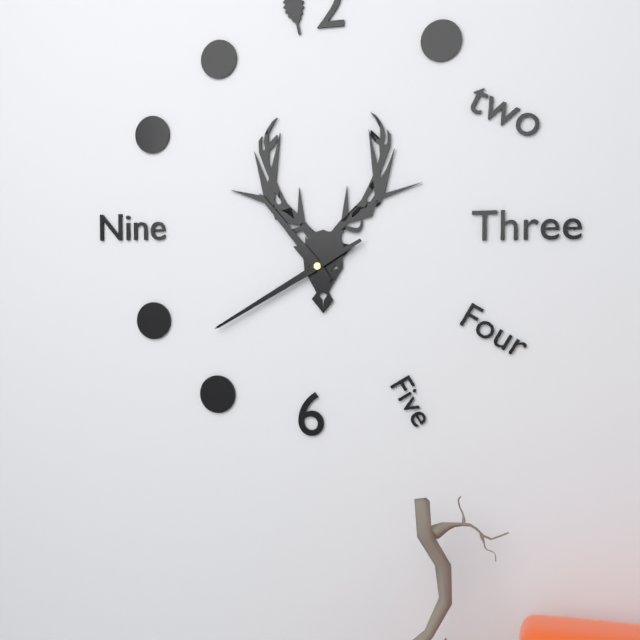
10:40
